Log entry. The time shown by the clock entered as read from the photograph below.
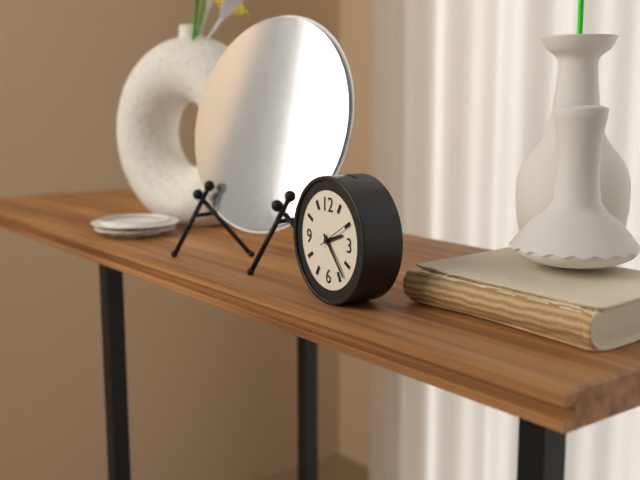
2:23
